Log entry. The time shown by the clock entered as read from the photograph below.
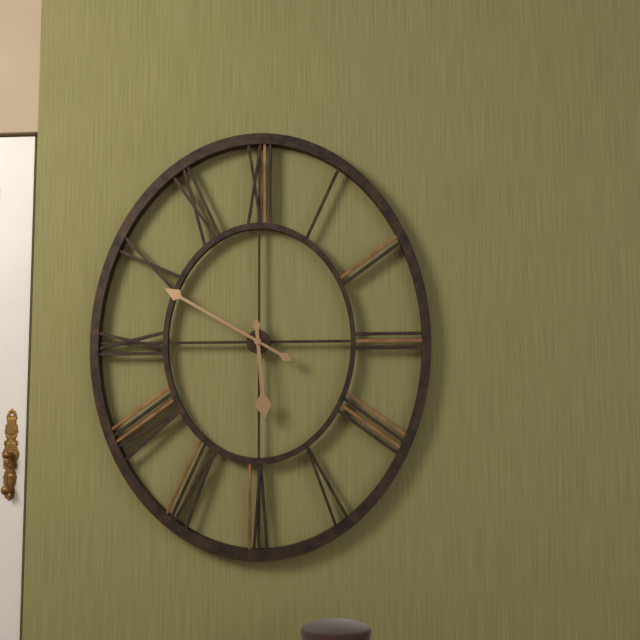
5:50
